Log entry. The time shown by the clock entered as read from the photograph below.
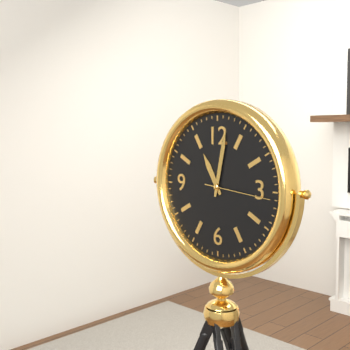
11:02:16
